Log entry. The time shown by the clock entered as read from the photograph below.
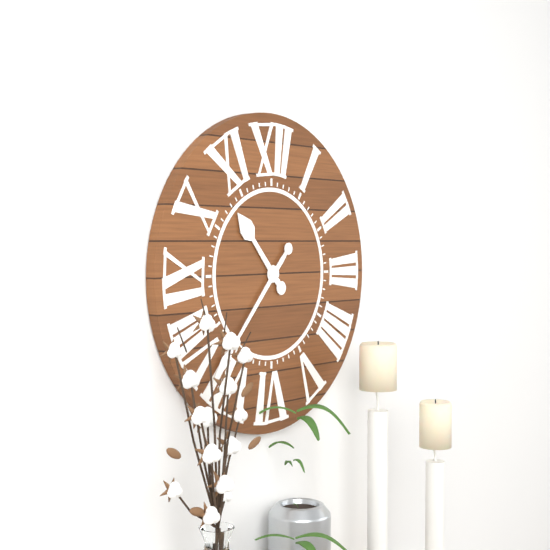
10:37
